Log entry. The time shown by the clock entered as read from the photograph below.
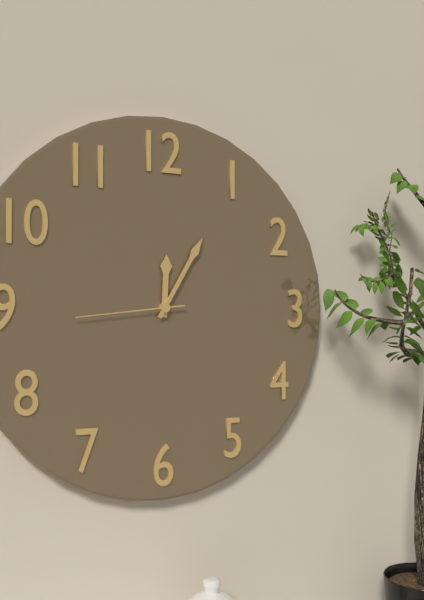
12:05:44
